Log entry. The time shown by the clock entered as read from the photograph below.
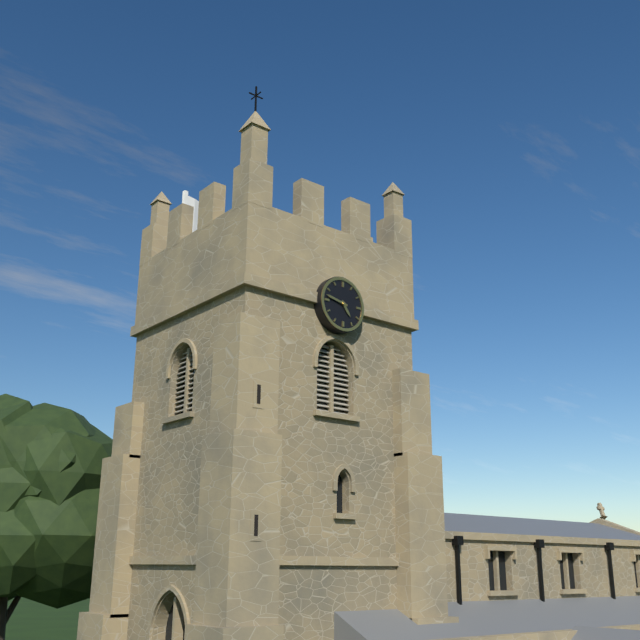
4:47
